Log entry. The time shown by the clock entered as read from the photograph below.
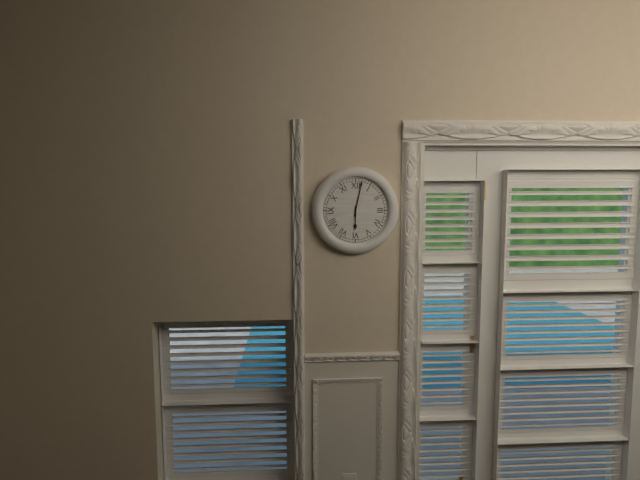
6:02
